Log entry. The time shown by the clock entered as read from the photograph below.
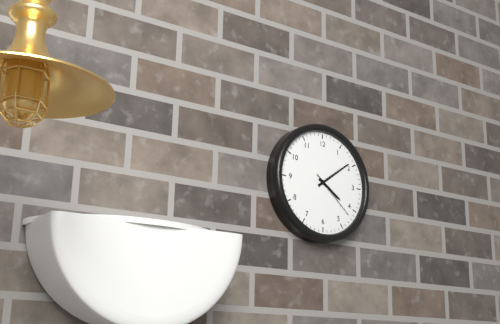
4:09:22
